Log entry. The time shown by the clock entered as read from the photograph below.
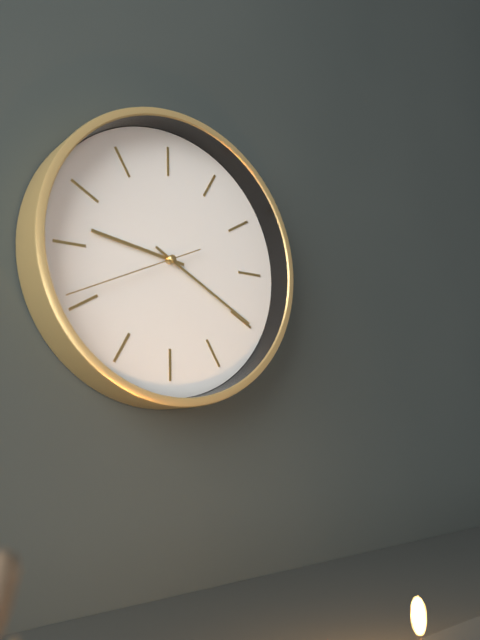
9:20:41
